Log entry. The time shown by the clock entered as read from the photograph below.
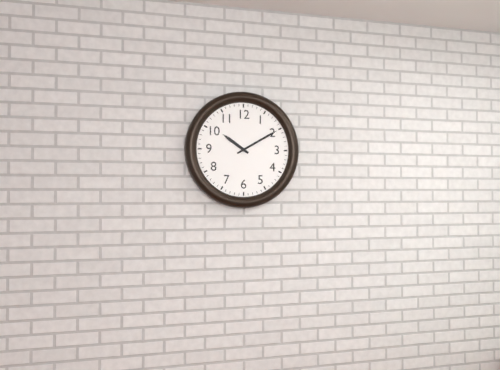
10:10
